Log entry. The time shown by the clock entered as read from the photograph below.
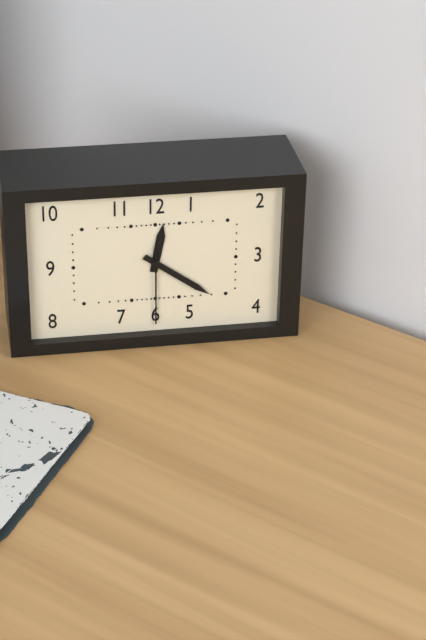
12:21:30
